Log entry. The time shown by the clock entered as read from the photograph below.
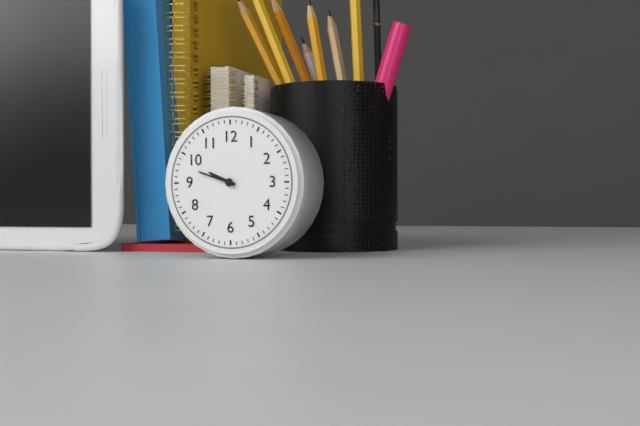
9:48
